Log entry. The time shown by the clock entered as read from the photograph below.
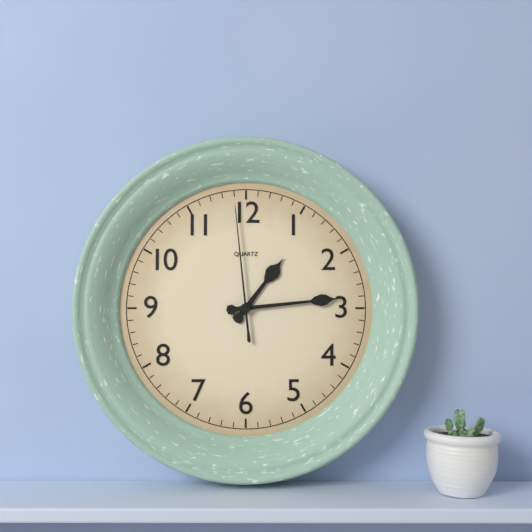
1:14:59
